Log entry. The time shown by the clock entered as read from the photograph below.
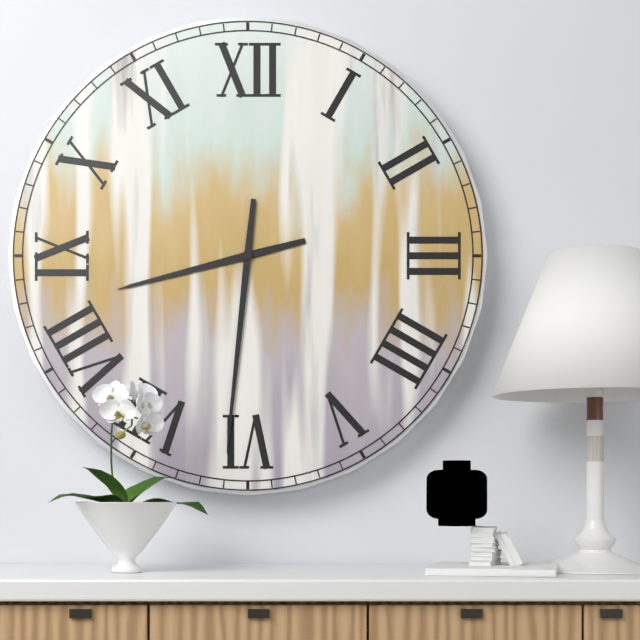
8:31
